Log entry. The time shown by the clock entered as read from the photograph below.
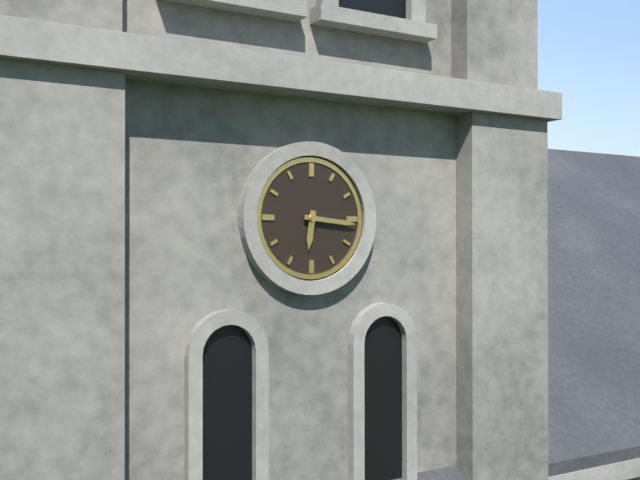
6:16
